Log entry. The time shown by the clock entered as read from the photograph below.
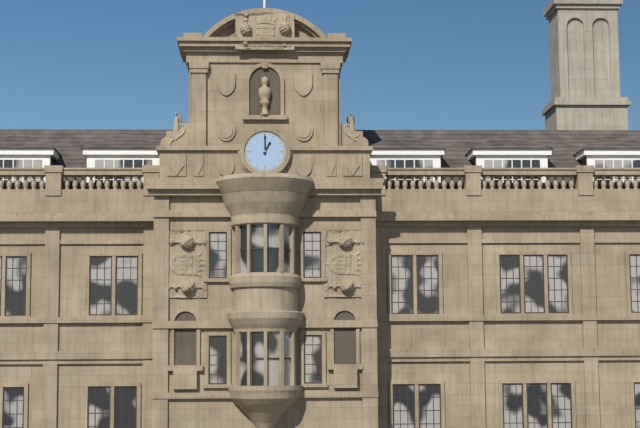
1:00
